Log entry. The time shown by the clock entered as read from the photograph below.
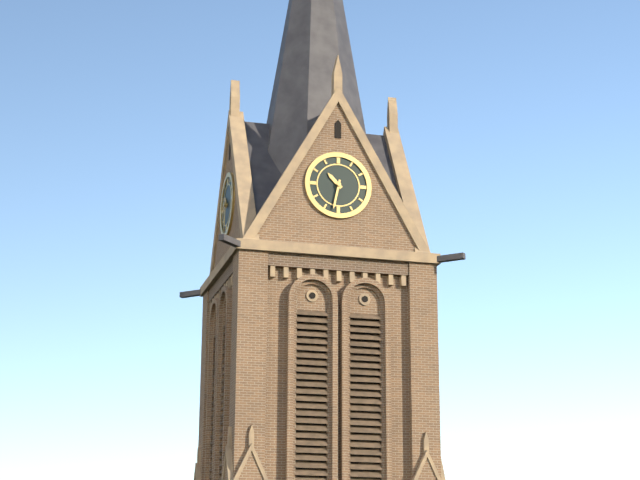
10:32
